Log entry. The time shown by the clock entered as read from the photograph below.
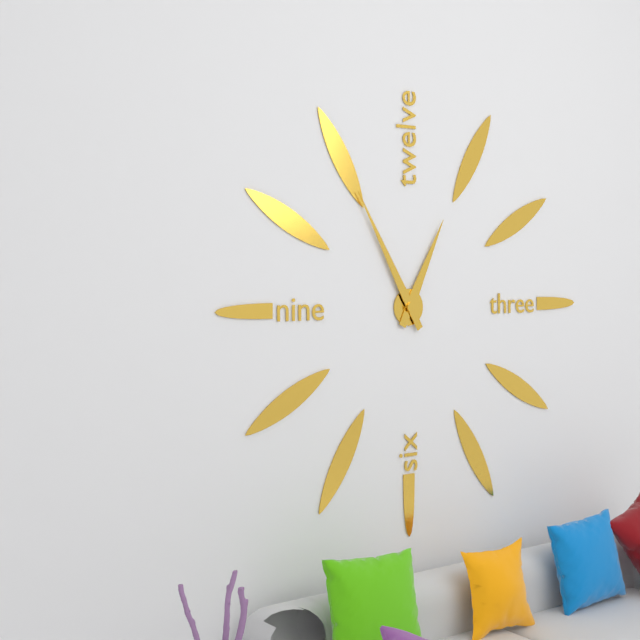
12:55
